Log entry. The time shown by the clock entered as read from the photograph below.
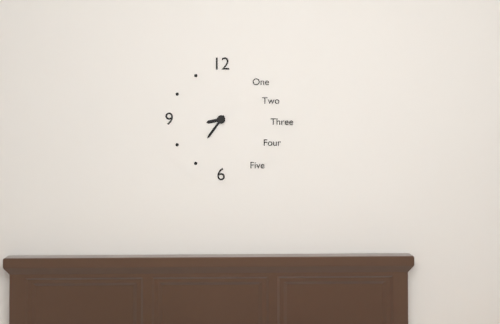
8:36
